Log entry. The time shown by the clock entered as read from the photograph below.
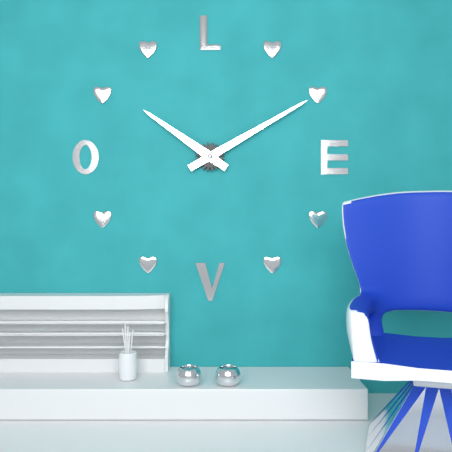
10:10
